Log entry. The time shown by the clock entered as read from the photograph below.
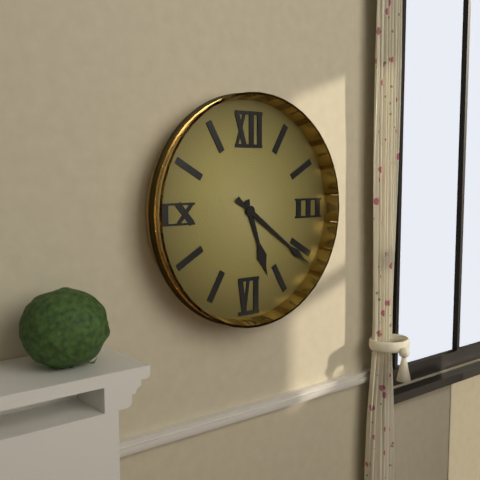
5:21
